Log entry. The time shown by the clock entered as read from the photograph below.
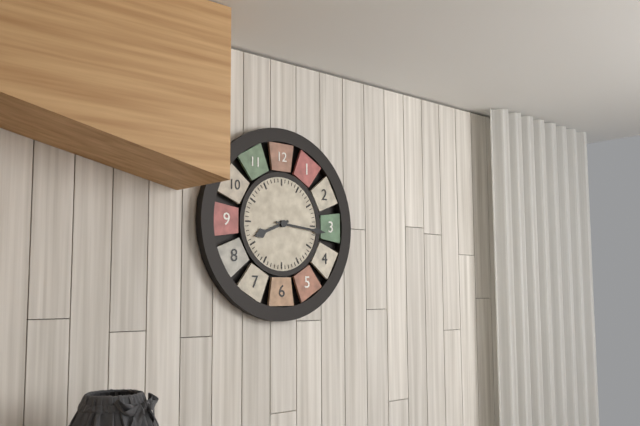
8:16
